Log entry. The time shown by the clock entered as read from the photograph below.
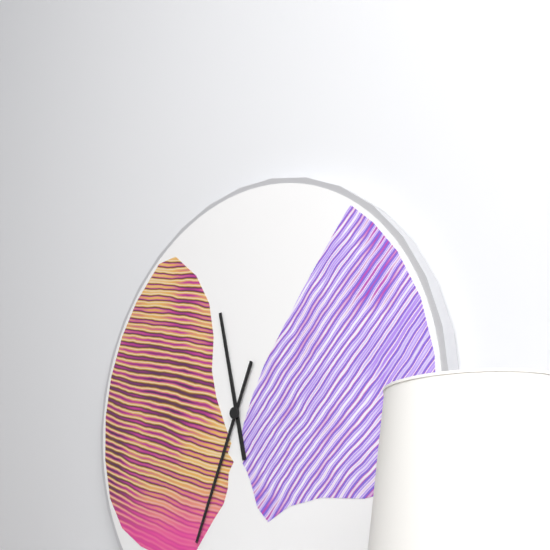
11:34
